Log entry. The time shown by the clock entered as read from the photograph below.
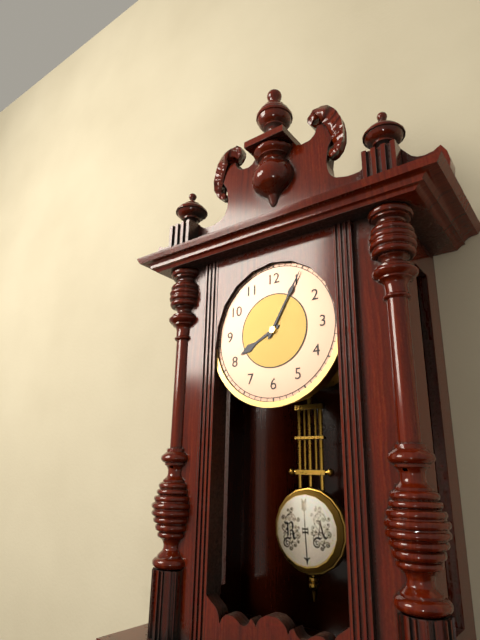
8:05
